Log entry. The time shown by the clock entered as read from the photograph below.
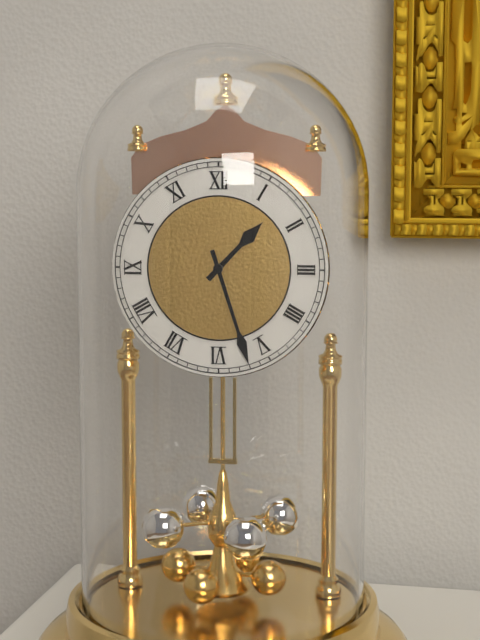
1:27
